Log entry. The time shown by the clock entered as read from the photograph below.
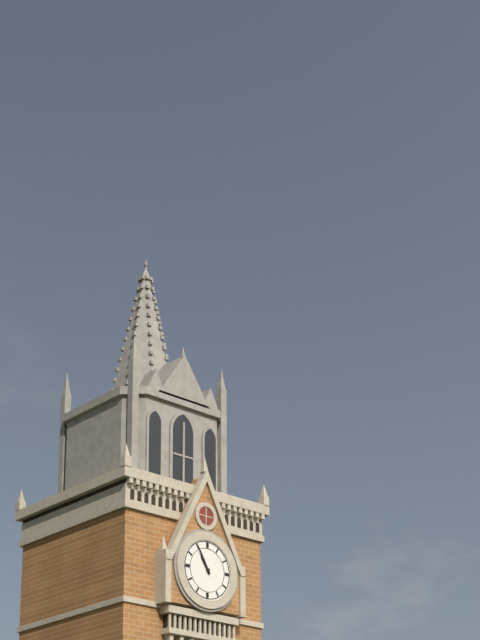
10:55
